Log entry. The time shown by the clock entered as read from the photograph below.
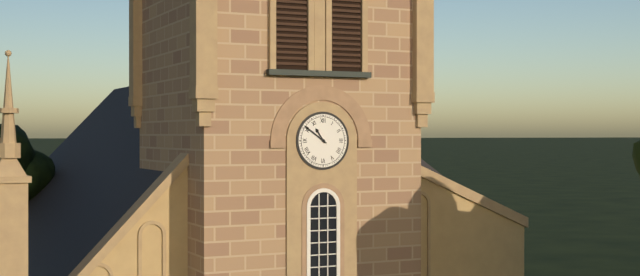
10:51
